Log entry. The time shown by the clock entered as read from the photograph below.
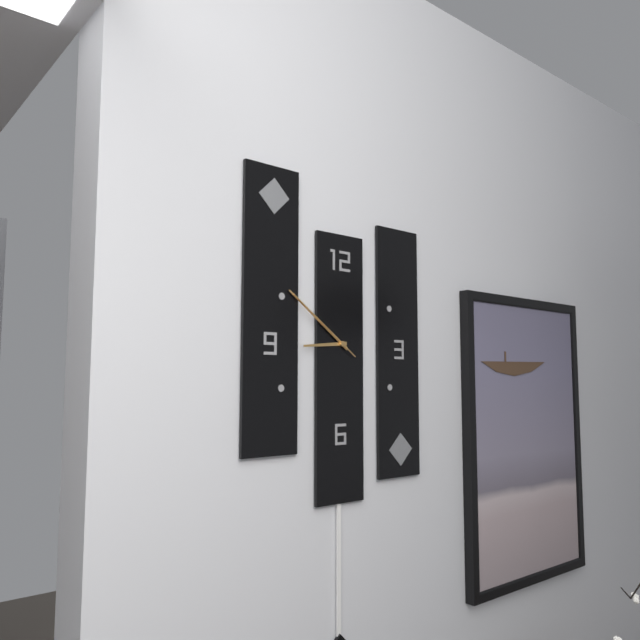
8:51:51
